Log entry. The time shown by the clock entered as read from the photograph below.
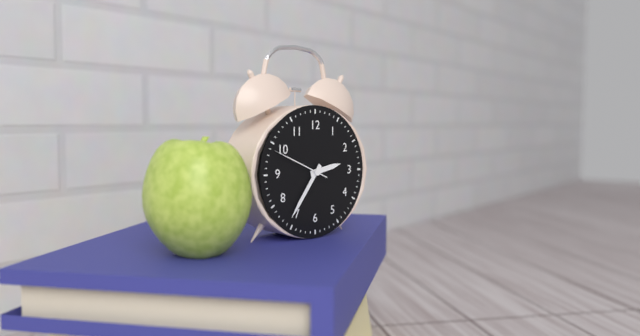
2:36:49
